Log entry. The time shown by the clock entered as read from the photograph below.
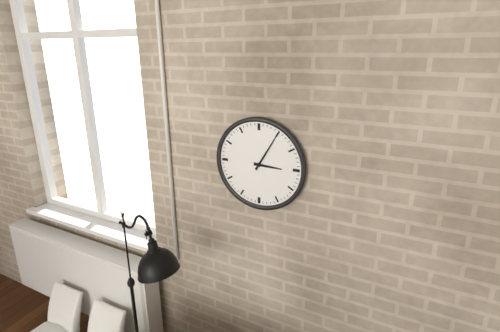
3:05
